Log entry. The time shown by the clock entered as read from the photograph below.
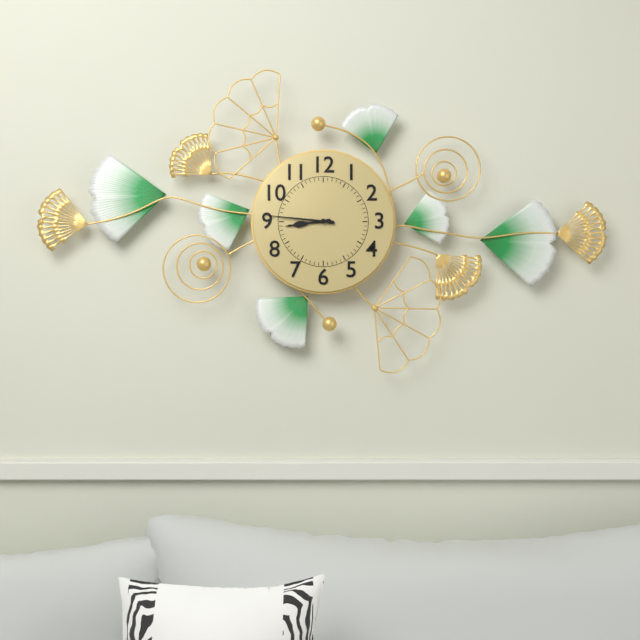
8:46
